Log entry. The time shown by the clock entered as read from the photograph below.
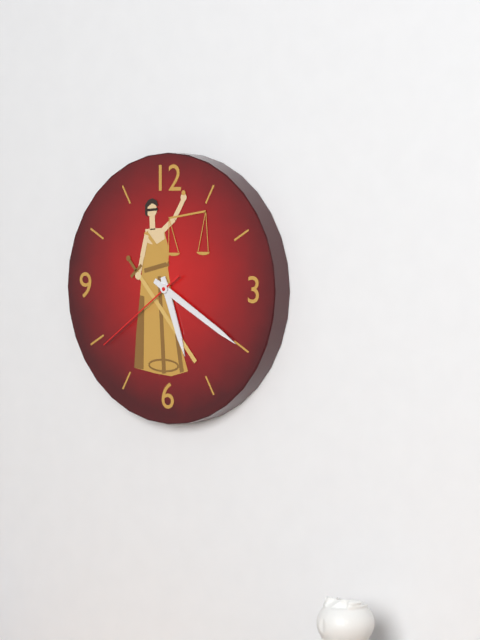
5:20:39
